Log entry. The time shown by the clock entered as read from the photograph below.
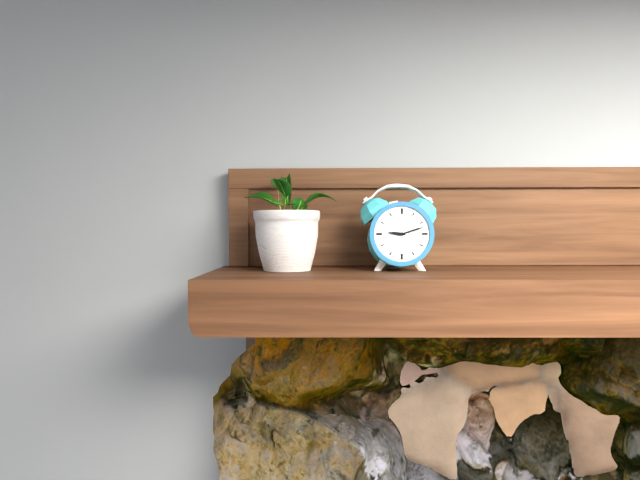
9:12
